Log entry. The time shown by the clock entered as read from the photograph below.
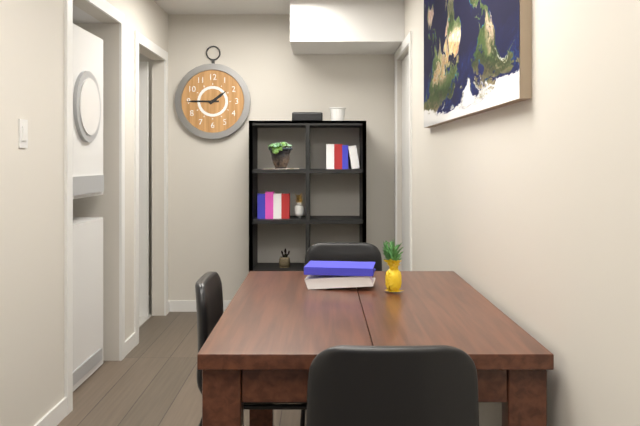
1:45
